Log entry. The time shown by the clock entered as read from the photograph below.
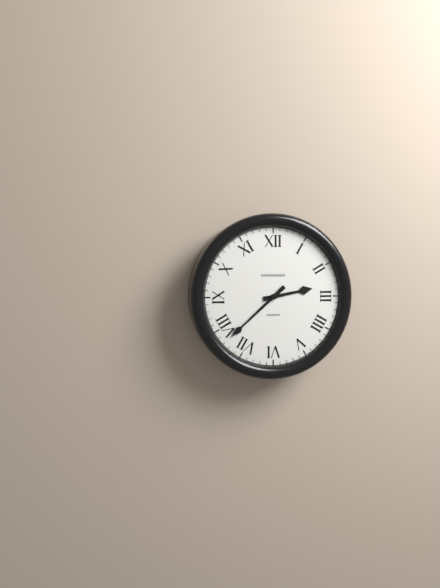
2:38
